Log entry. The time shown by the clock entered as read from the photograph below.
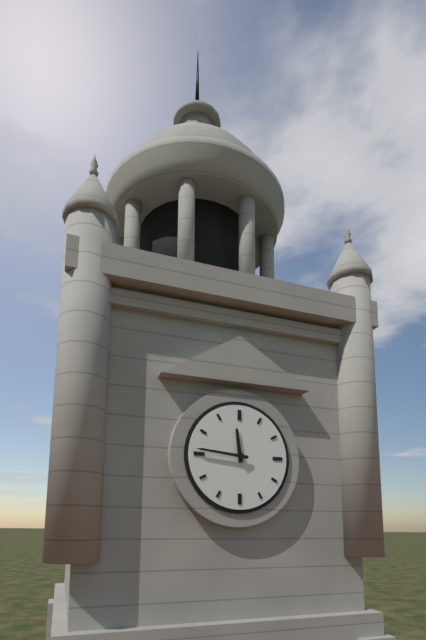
11:46
